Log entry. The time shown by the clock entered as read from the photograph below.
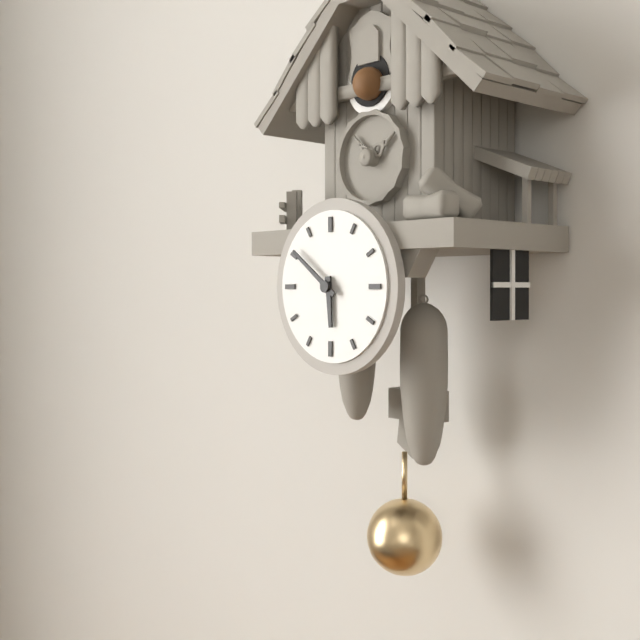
5:51
